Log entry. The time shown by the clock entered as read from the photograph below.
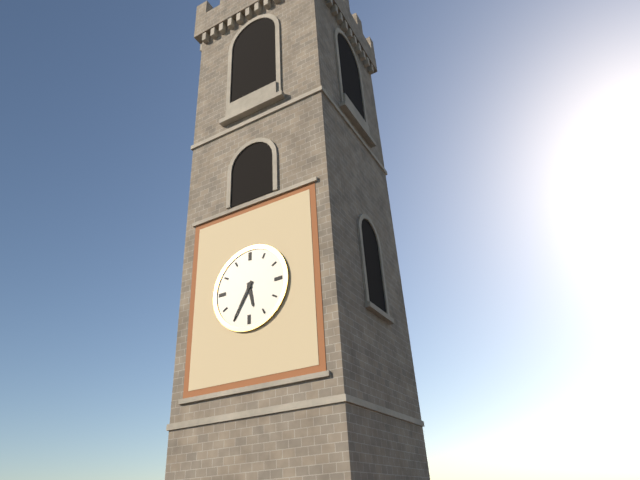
5:35
